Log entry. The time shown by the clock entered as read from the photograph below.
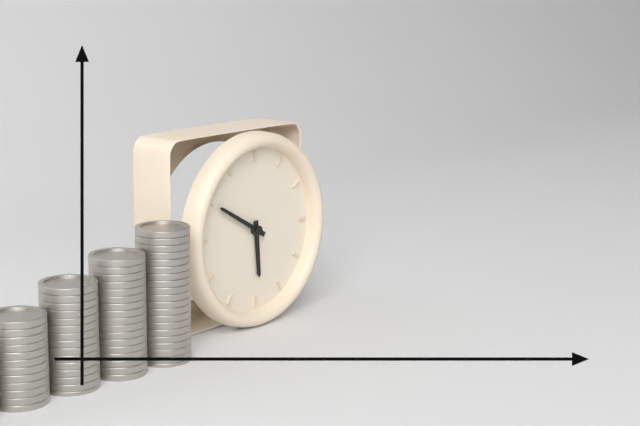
5:50
